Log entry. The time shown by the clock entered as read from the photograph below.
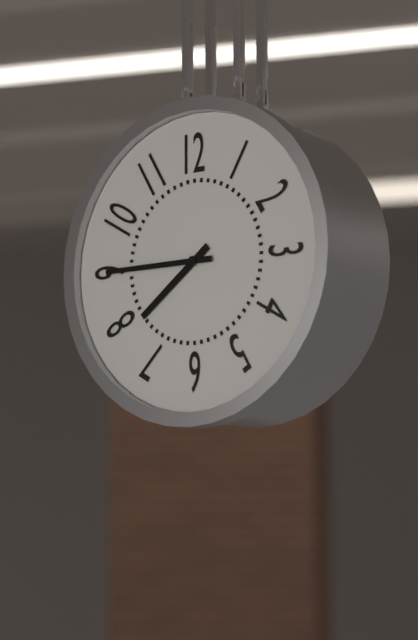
7:45
